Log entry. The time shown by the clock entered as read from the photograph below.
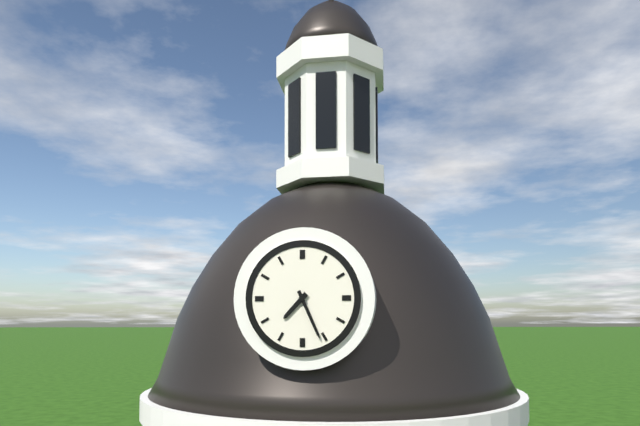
7:26
